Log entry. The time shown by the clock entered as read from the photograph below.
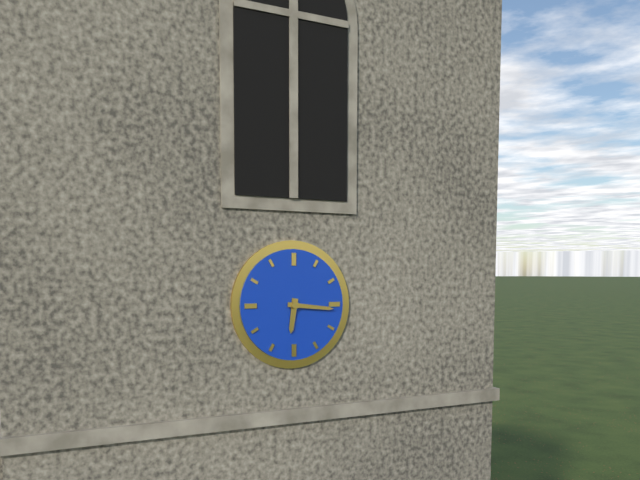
6:16
